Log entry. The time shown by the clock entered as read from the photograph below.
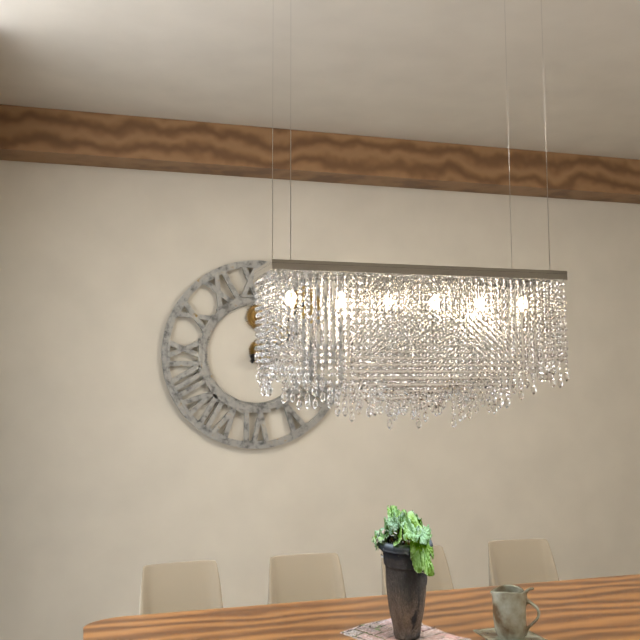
2:07
